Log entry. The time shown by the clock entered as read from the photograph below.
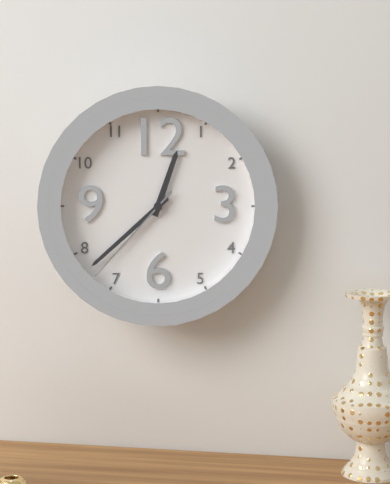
12:38:37
